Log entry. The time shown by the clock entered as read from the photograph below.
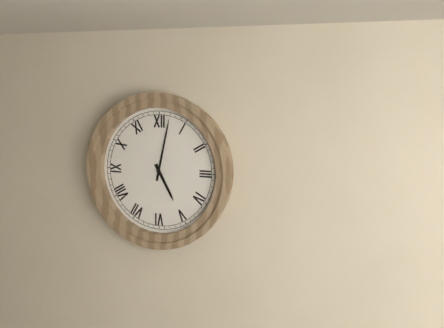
5:02
